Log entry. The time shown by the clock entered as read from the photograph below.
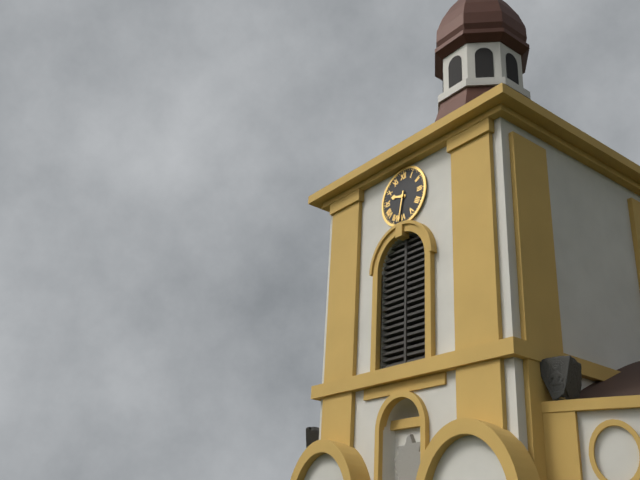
9:32
